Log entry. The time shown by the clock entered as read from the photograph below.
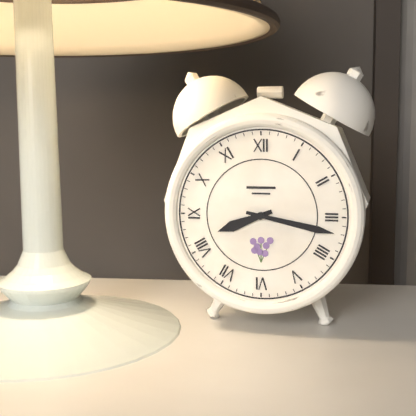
8:17
